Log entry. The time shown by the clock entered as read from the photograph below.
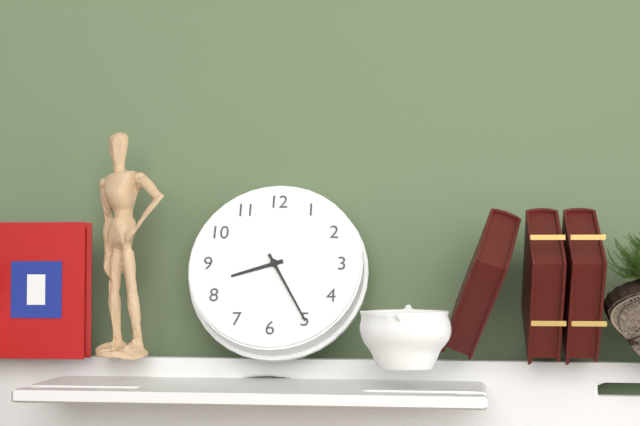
8:25
